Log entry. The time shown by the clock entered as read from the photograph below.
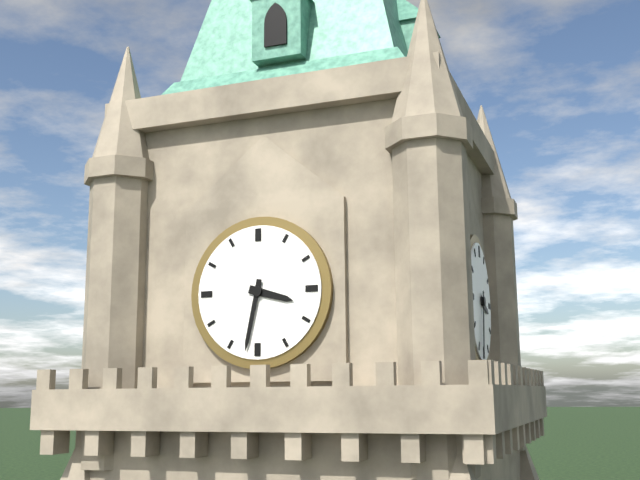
3:32
